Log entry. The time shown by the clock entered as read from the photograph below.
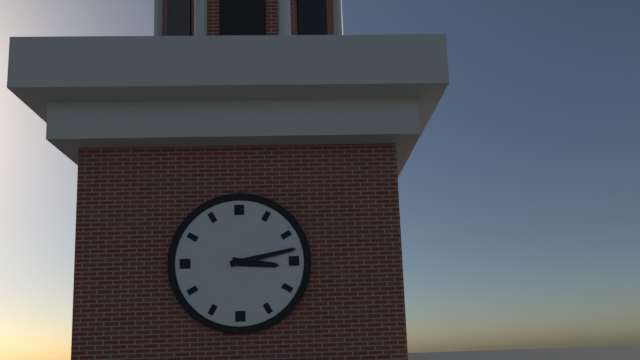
3:13
